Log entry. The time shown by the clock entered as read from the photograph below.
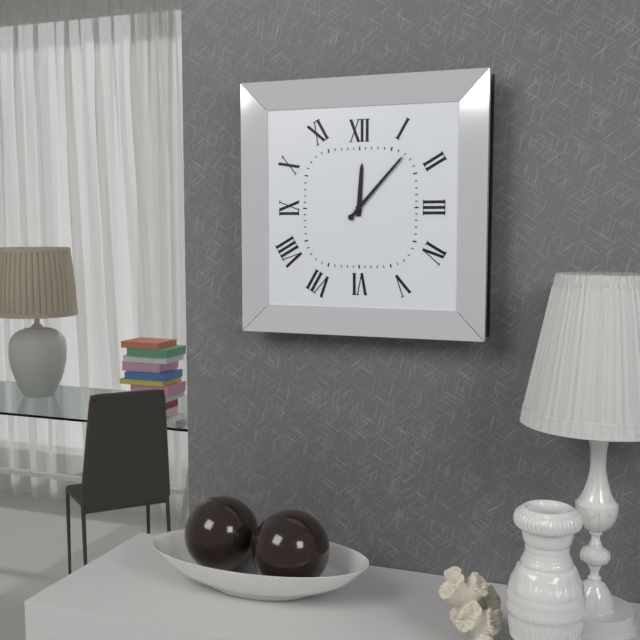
12:07
